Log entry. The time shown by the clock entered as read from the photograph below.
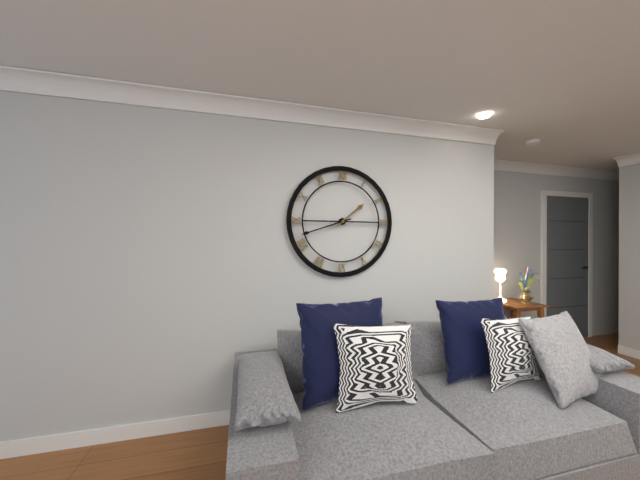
1:42
